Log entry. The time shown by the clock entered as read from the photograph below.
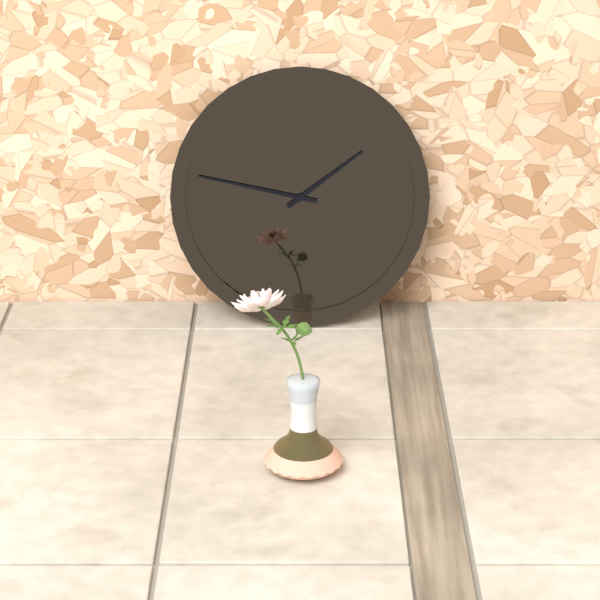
1:47
